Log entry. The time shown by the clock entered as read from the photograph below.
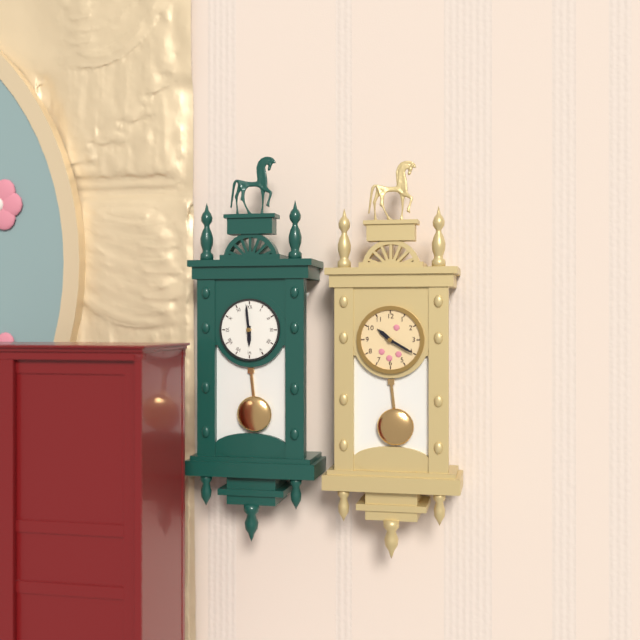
5:59
